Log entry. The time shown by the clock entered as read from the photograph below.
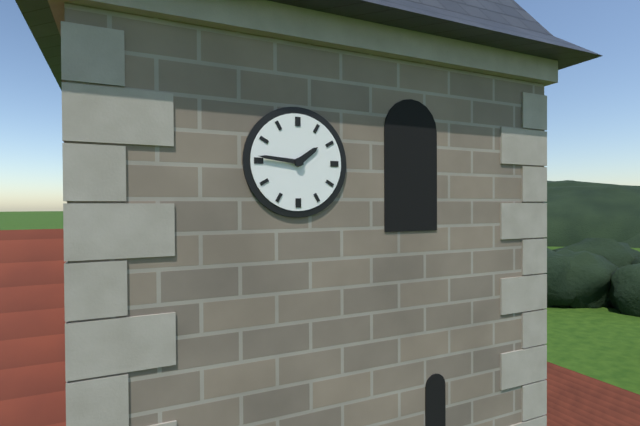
1:46
